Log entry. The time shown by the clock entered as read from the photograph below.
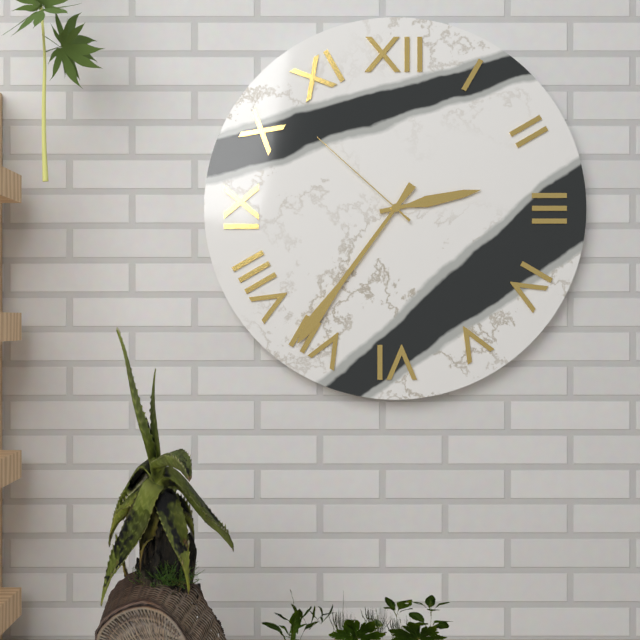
2:36:52
